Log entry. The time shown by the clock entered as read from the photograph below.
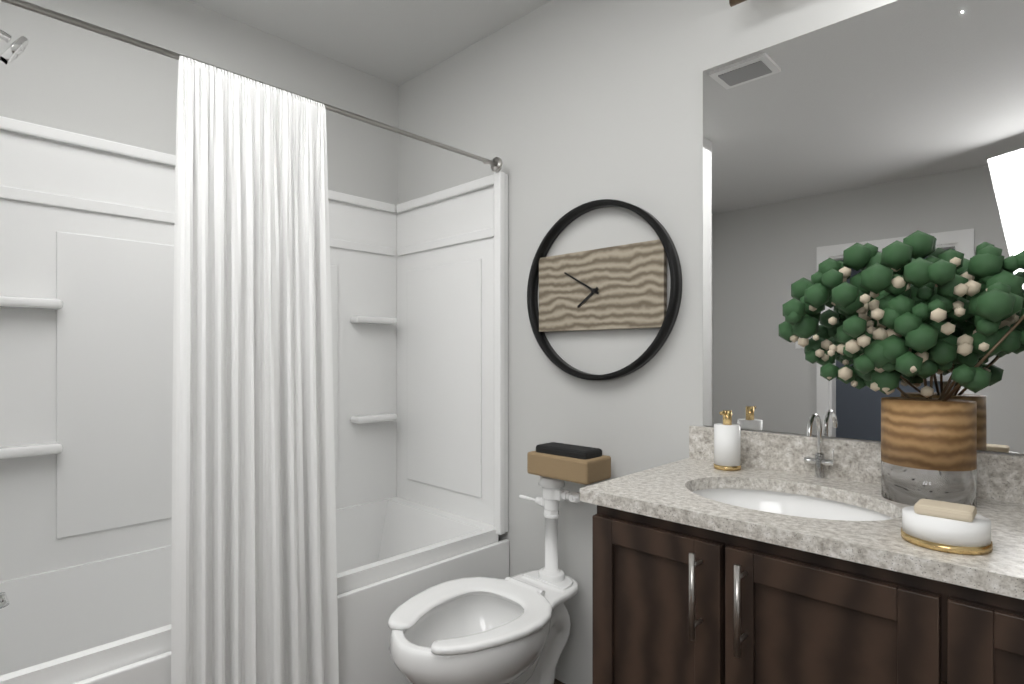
7:50
